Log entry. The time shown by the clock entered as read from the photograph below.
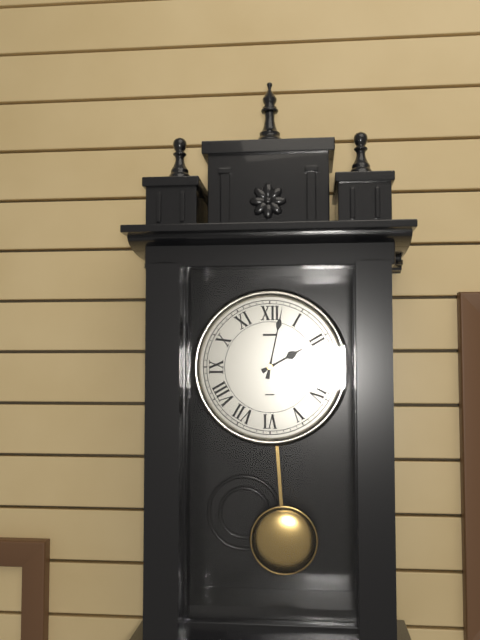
2:02
